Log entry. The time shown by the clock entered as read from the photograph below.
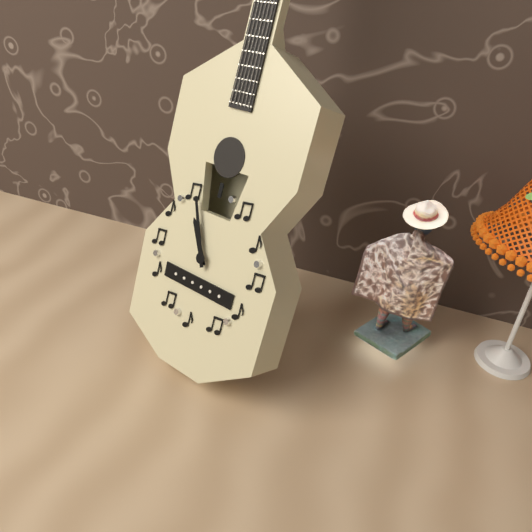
10:56
